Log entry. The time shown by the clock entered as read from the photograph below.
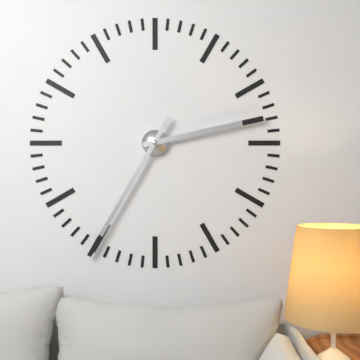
2:35
